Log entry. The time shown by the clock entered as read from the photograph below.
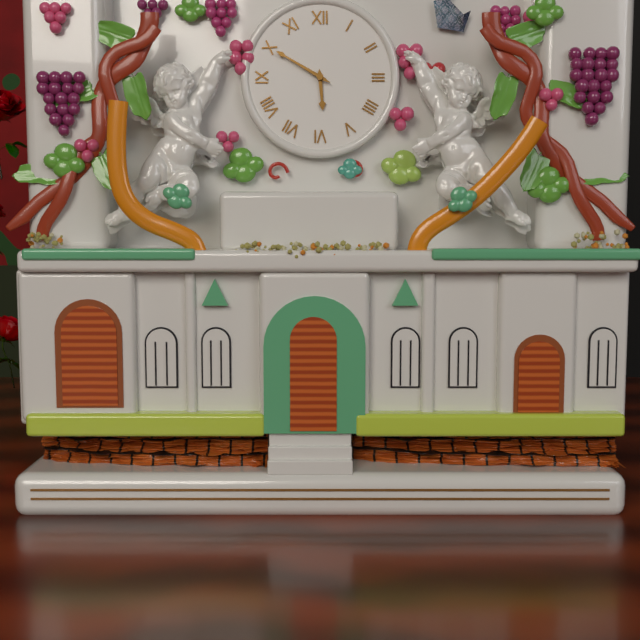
5:50
